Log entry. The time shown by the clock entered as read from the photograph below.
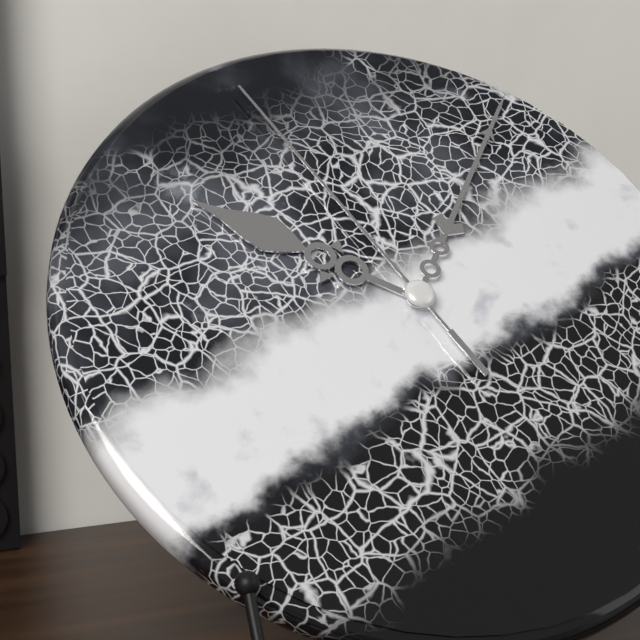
10:06:56
